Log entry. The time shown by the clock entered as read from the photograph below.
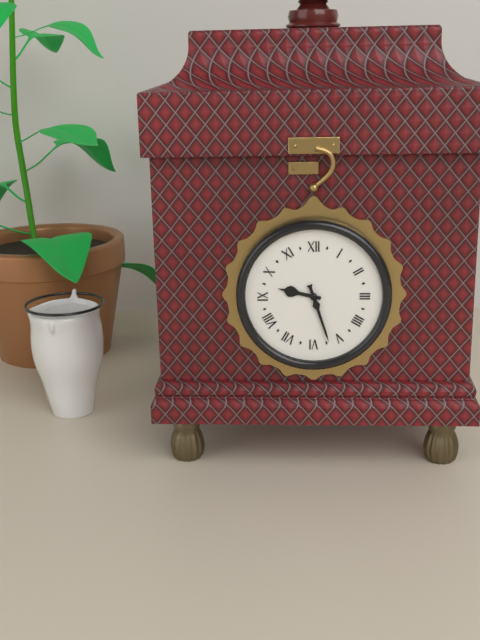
9:27
